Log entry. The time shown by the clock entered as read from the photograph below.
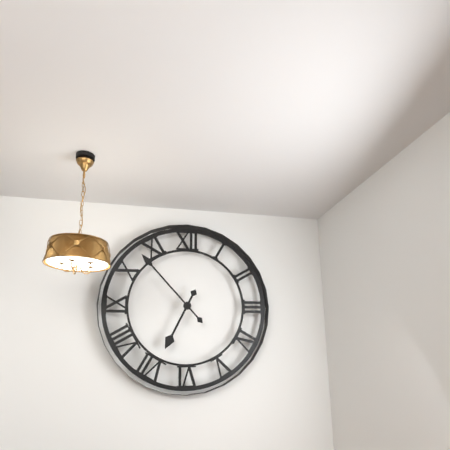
6:53
